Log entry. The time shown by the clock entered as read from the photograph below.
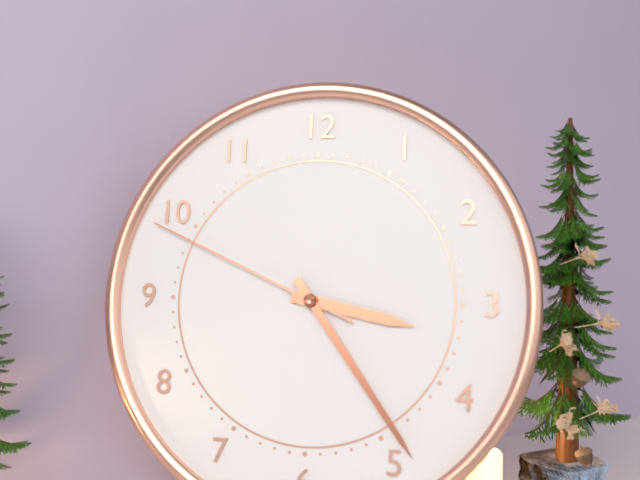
3:24:49
